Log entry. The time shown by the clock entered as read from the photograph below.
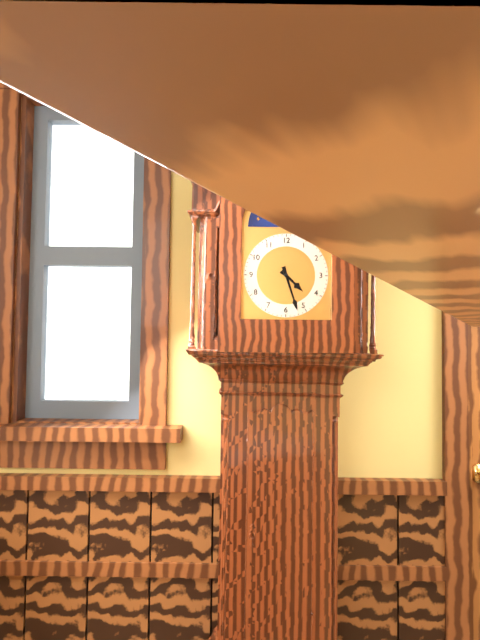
4:27
